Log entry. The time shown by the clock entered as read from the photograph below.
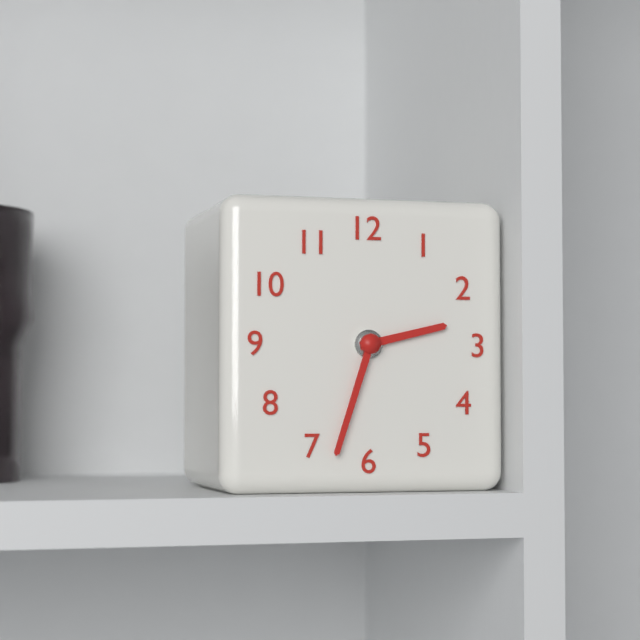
2:33
